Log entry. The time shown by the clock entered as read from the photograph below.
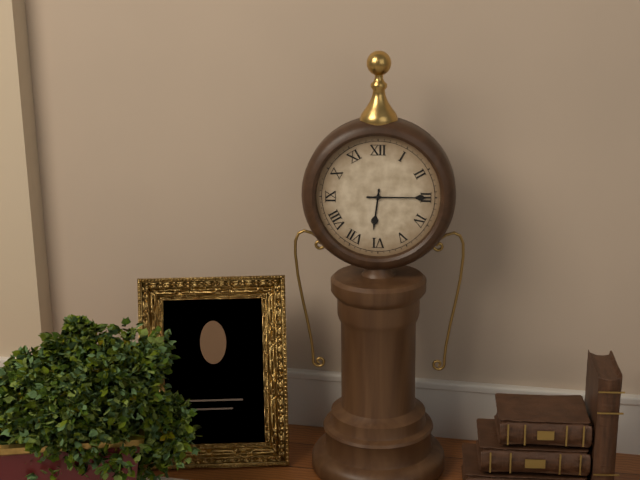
6:15
